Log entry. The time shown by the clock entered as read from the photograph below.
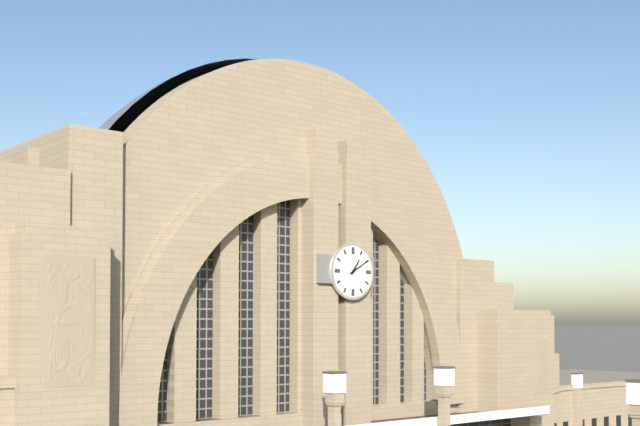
1:10
